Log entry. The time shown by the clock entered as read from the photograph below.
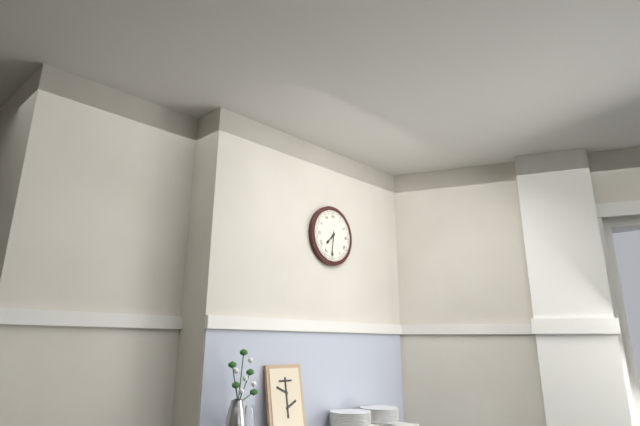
7:31
